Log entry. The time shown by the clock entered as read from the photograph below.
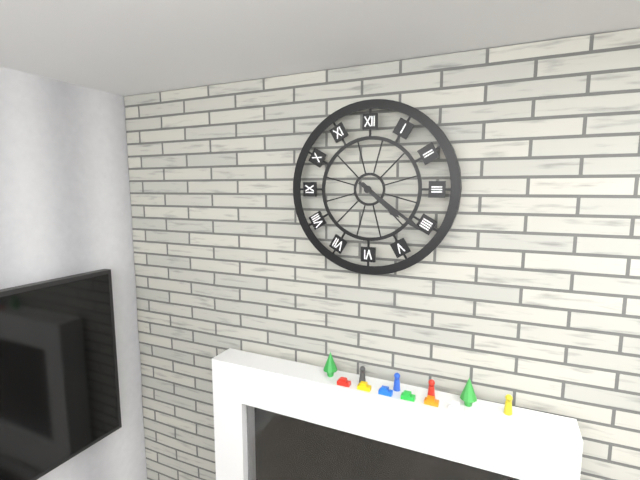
4:21
